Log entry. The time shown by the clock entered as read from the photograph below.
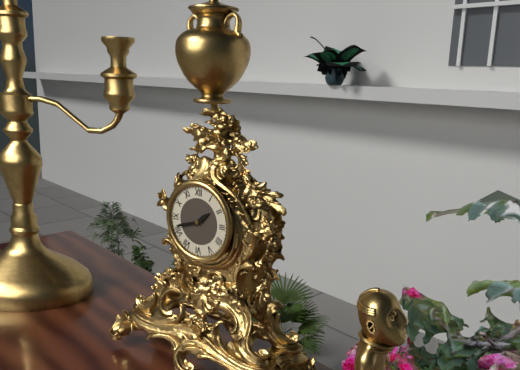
1:42
